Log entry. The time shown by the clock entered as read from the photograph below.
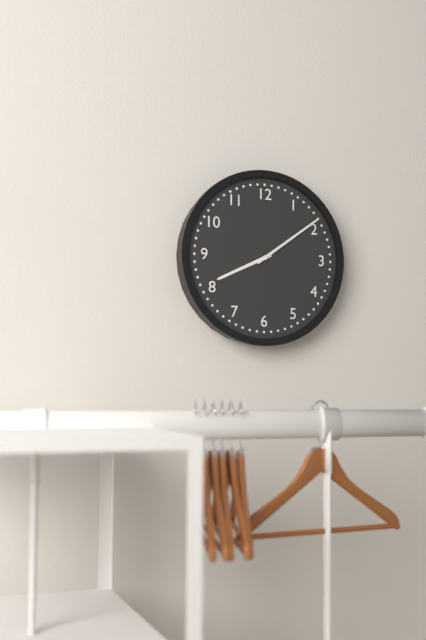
8:09
